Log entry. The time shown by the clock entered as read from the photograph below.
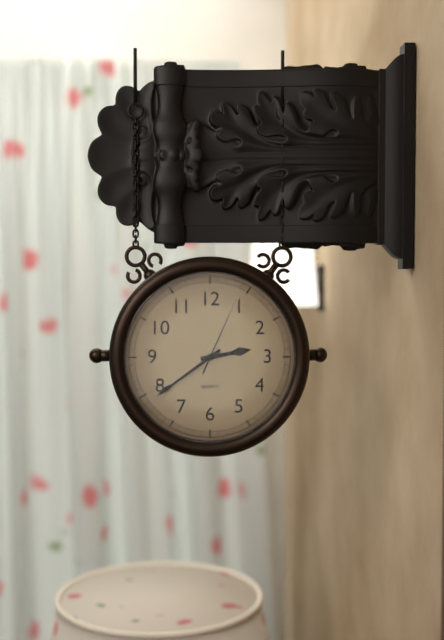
2:39:04
